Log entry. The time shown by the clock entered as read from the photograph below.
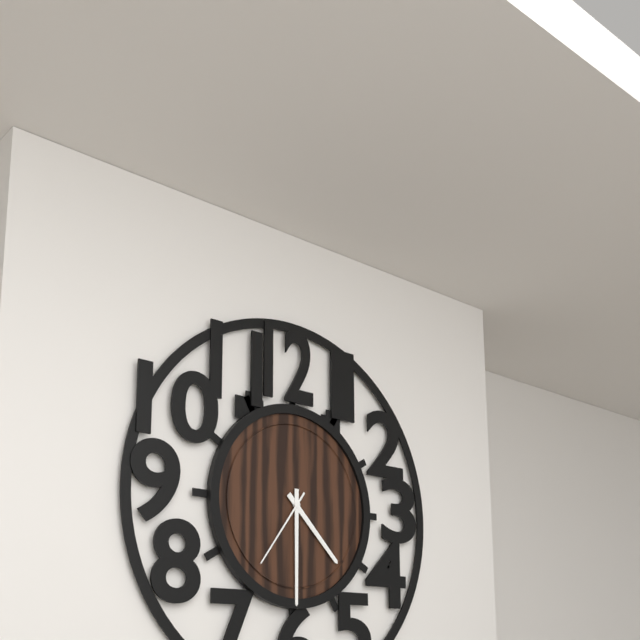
4:30:36
